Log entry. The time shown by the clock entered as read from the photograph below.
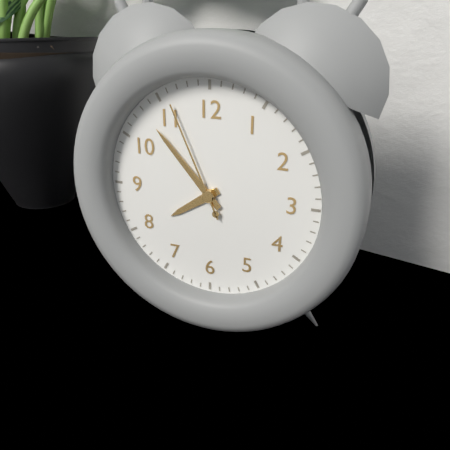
7:53:56
